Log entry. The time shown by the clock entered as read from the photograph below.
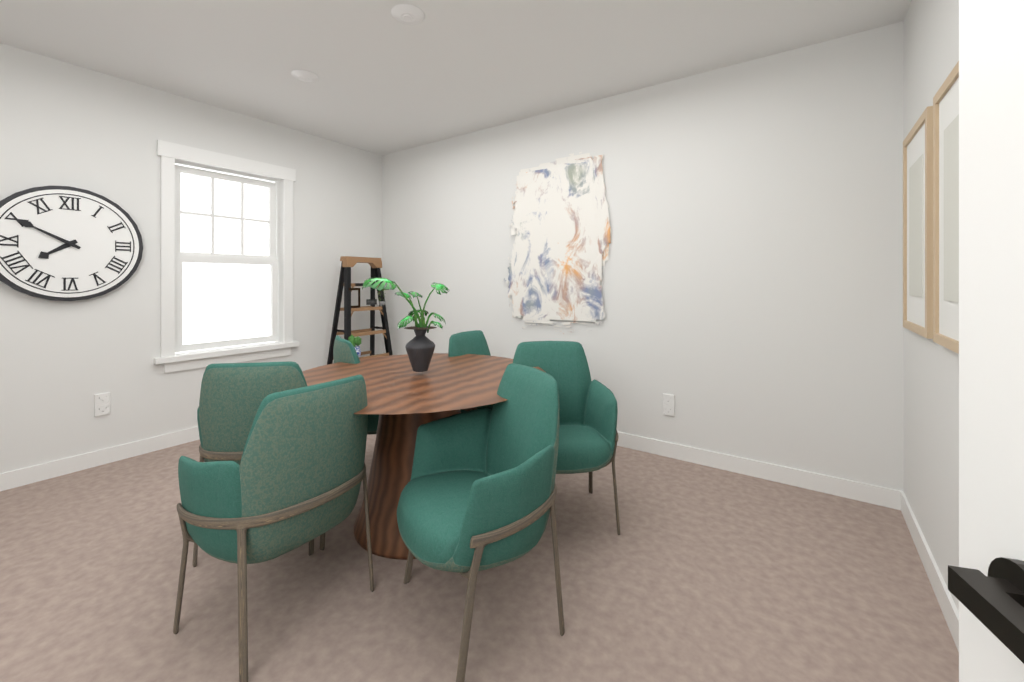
7:50
